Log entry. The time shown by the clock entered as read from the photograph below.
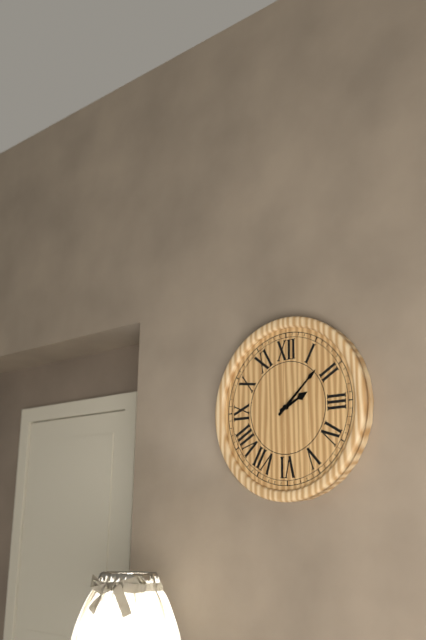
2:08
